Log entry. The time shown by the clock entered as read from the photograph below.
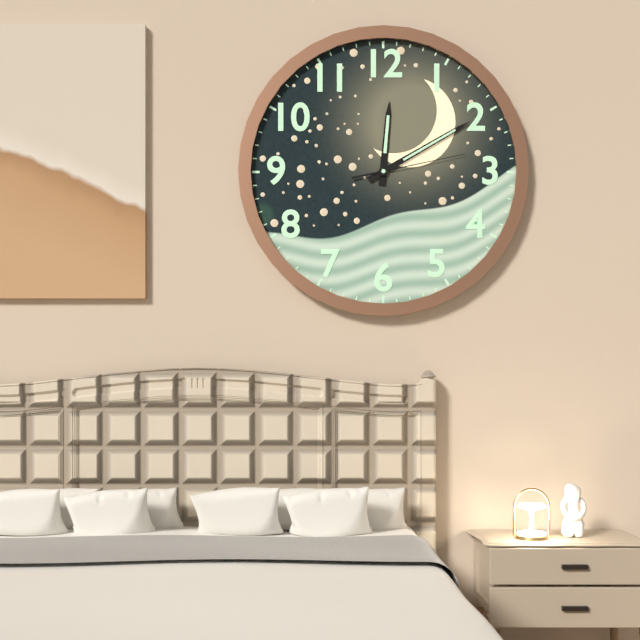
12:10:13
